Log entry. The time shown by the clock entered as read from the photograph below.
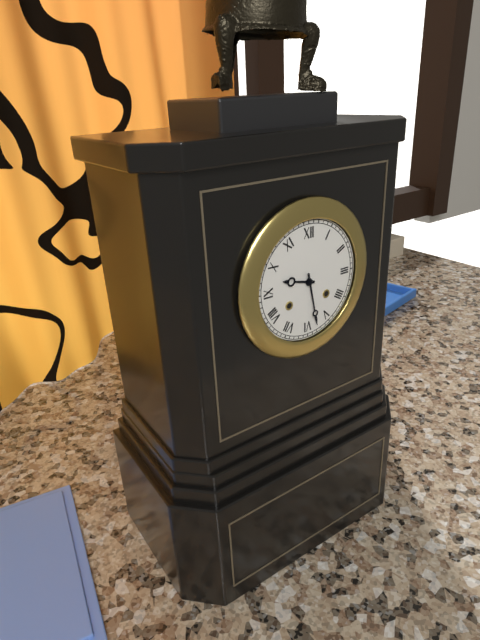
9:28
